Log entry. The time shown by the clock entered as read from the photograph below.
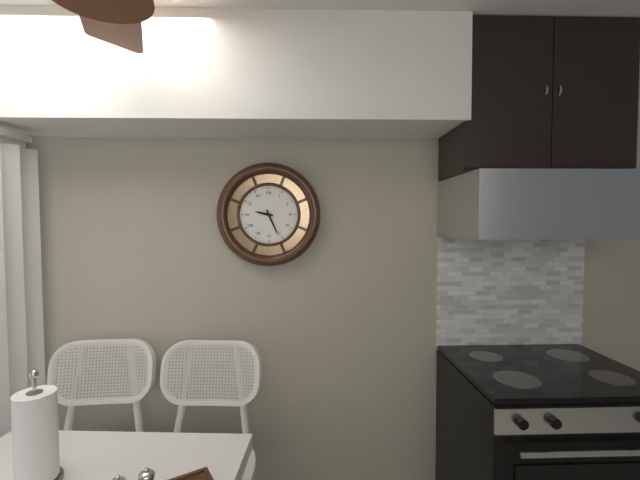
9:26
